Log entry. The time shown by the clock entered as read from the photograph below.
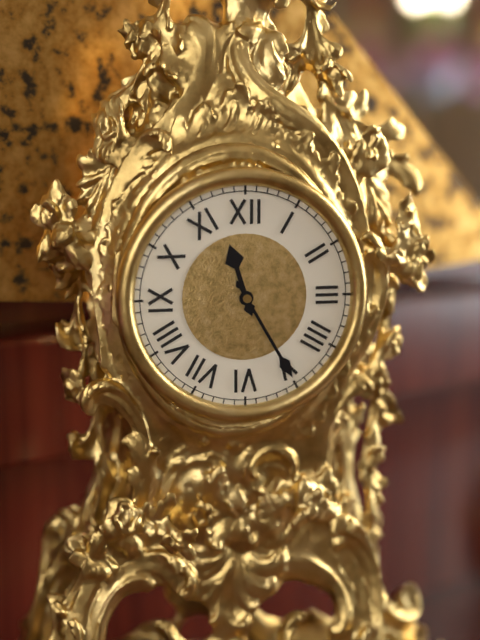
11:25
